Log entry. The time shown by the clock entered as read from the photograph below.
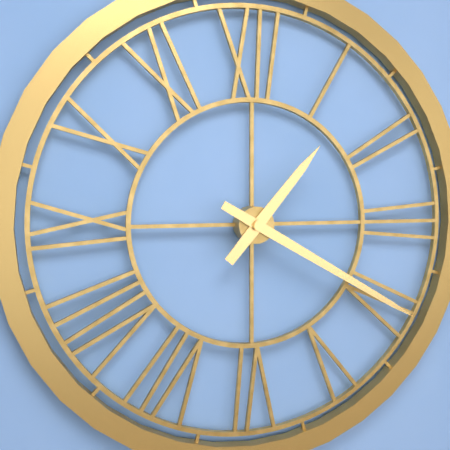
1:20
